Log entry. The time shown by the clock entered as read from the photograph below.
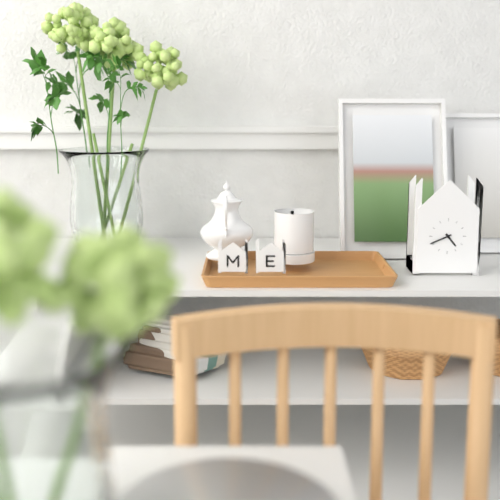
4:41
